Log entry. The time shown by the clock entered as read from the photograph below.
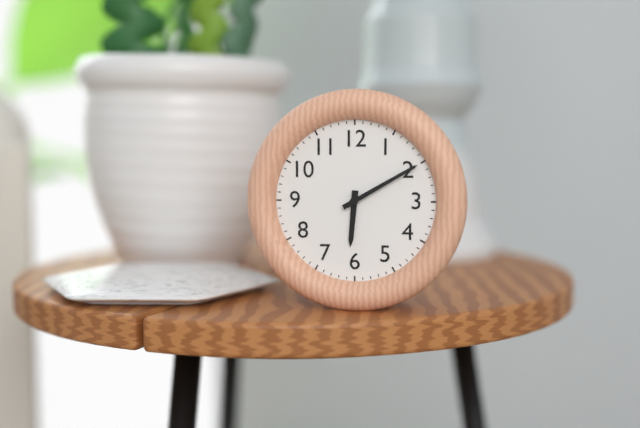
6:10
